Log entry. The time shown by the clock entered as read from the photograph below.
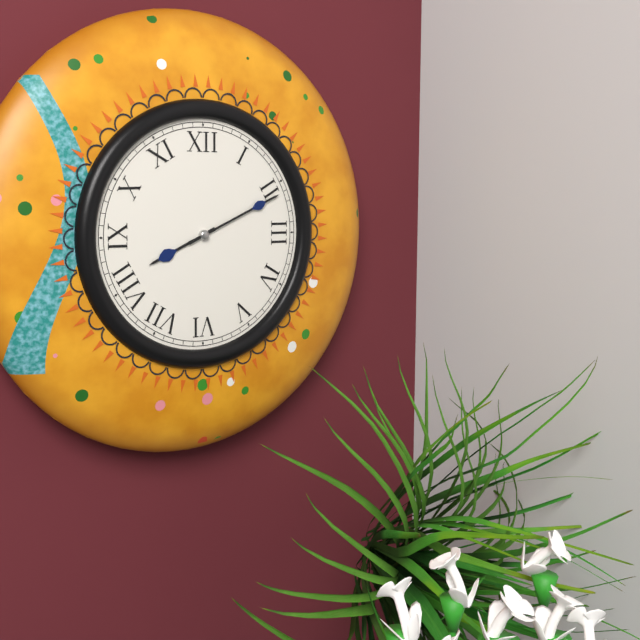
8:11
